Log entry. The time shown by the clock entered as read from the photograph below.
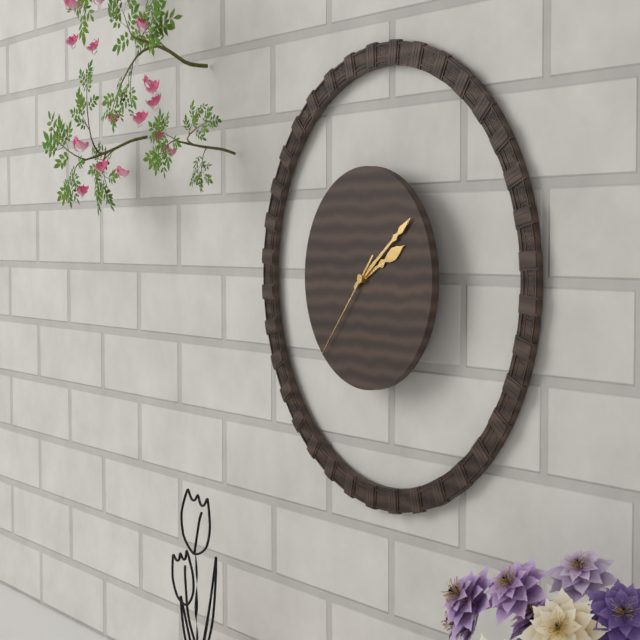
2:09:37
